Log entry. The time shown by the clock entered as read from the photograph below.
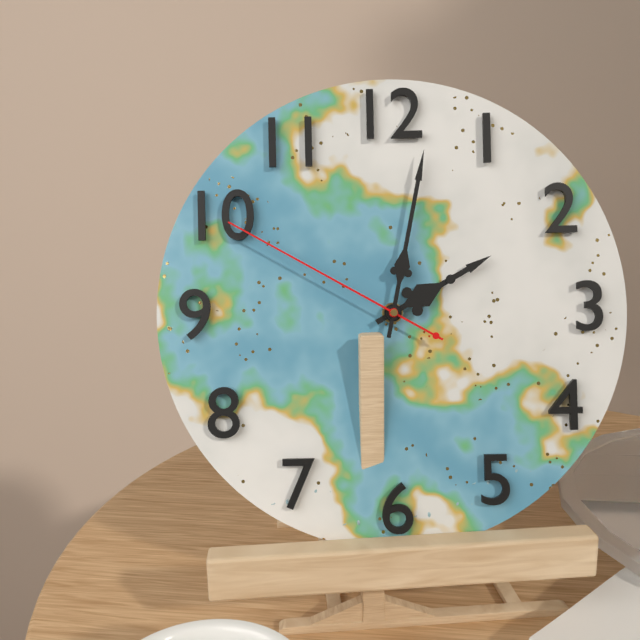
2:02:50
